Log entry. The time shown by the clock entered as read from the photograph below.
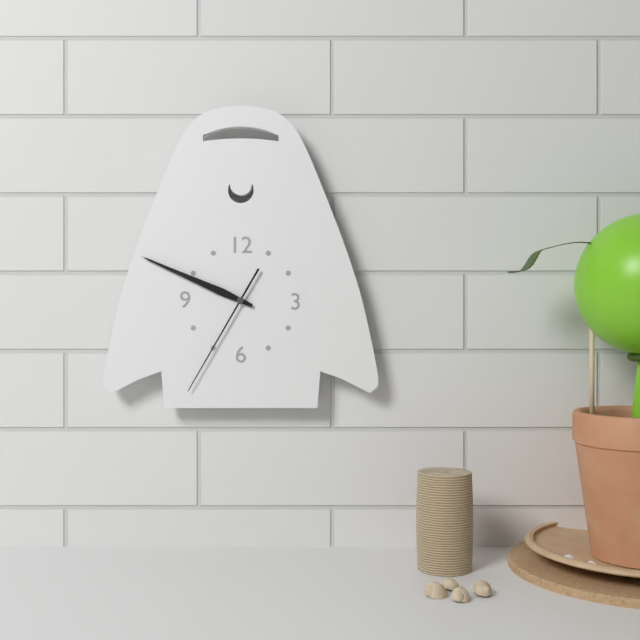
9:49:35
